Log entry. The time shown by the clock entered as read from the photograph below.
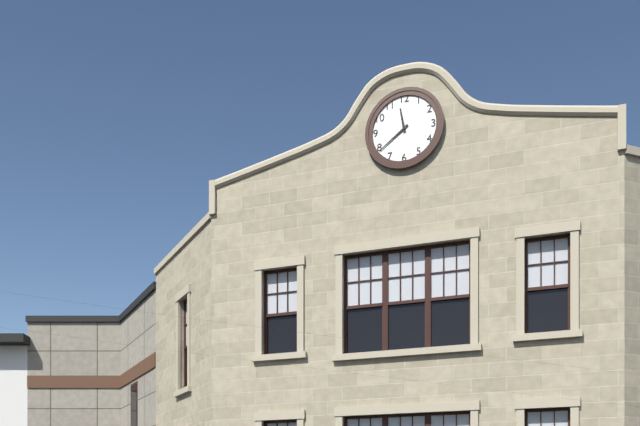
11:39
